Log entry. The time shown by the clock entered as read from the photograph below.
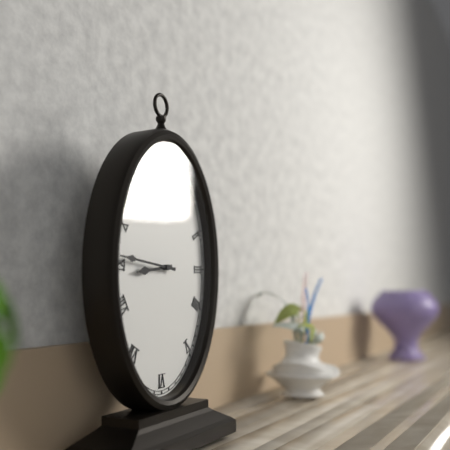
8:46
